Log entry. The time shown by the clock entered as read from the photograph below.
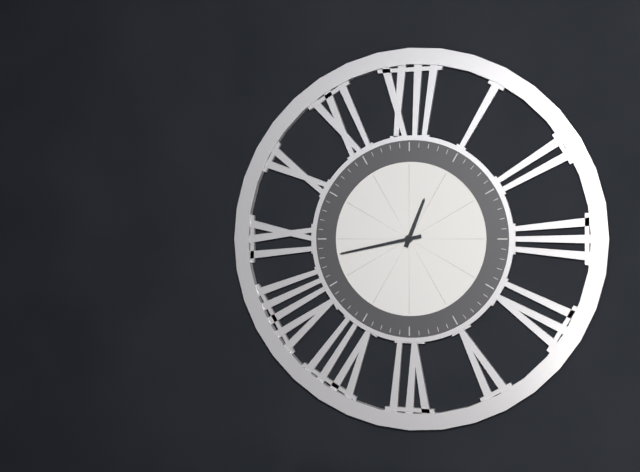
12:43
